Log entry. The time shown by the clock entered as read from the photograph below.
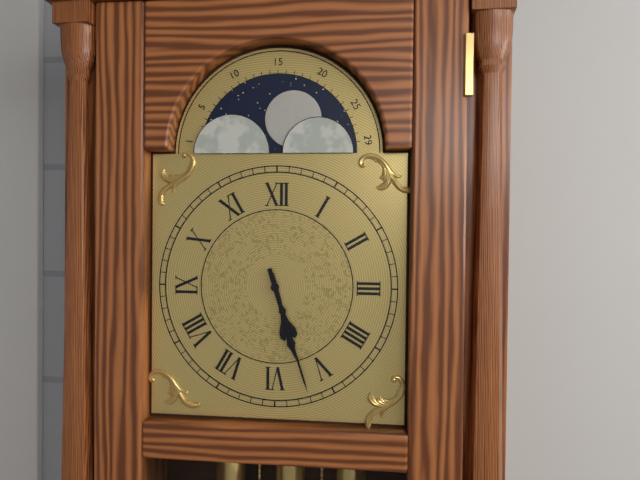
5:27
